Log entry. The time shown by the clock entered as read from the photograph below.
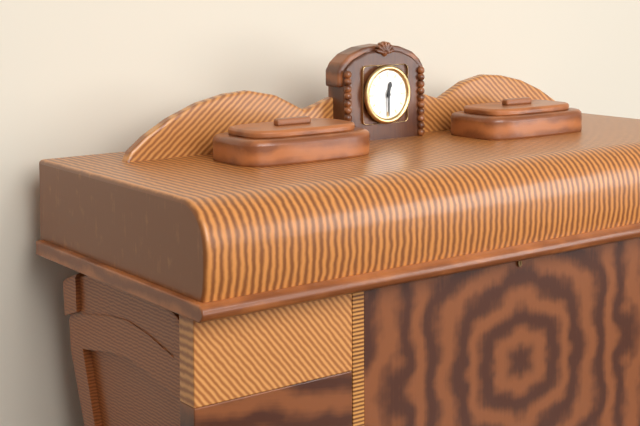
12:30
